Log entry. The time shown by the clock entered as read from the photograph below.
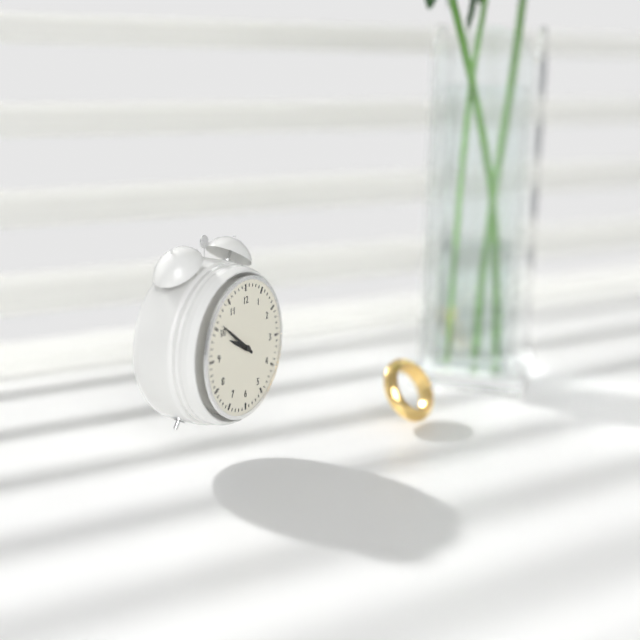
9:51
